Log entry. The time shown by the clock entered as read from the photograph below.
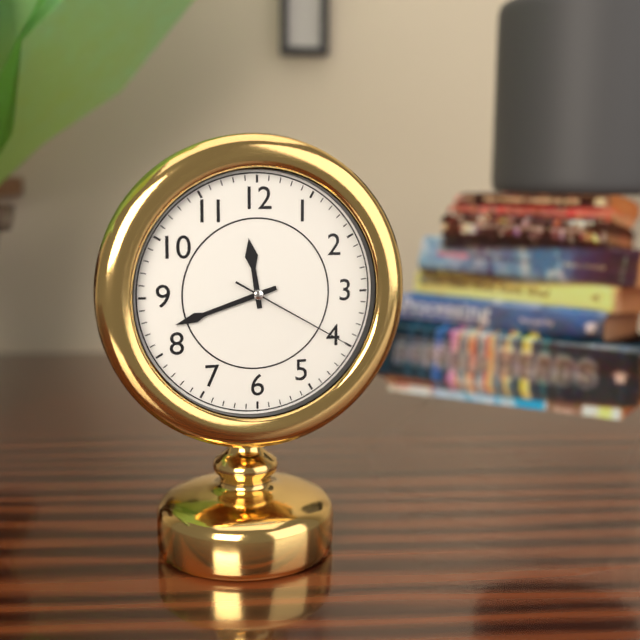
11:42:20
